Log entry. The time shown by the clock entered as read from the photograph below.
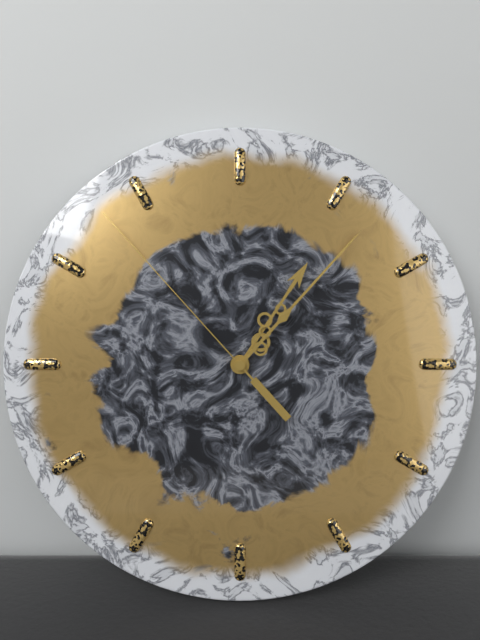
1:07:53
